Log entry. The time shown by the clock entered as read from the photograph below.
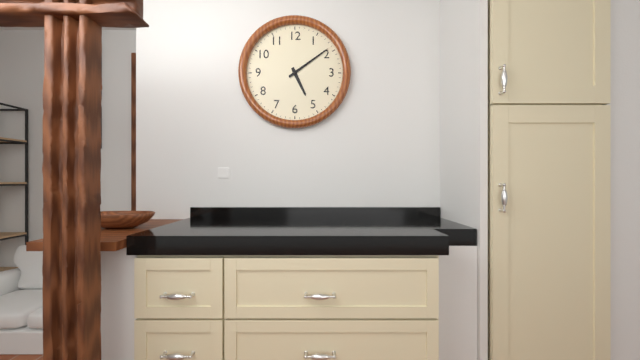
5:09
